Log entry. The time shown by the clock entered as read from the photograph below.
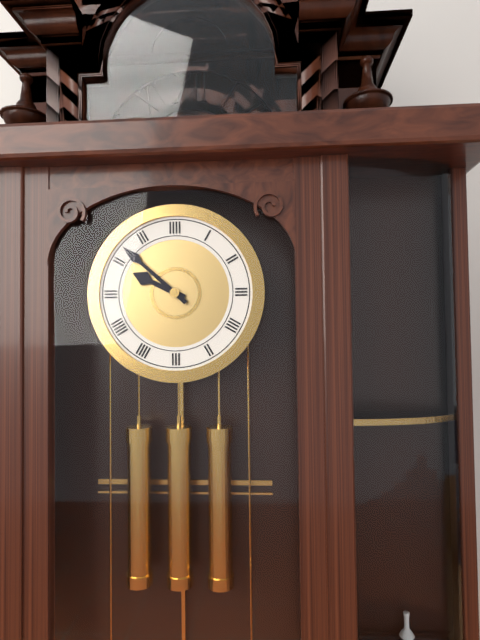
9:52
